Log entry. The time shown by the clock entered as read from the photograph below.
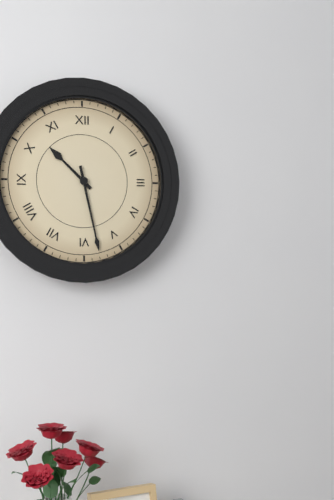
10:28
